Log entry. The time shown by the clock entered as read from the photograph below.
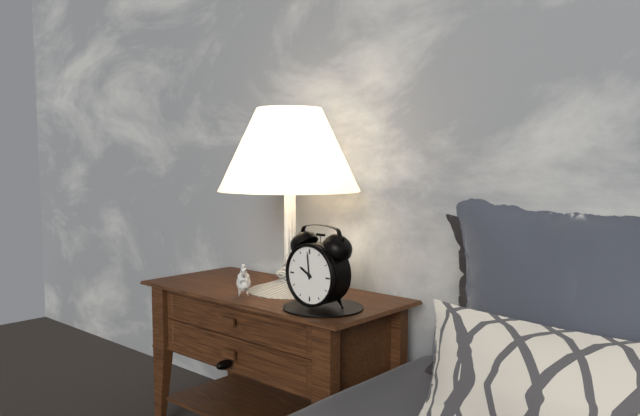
9:59
